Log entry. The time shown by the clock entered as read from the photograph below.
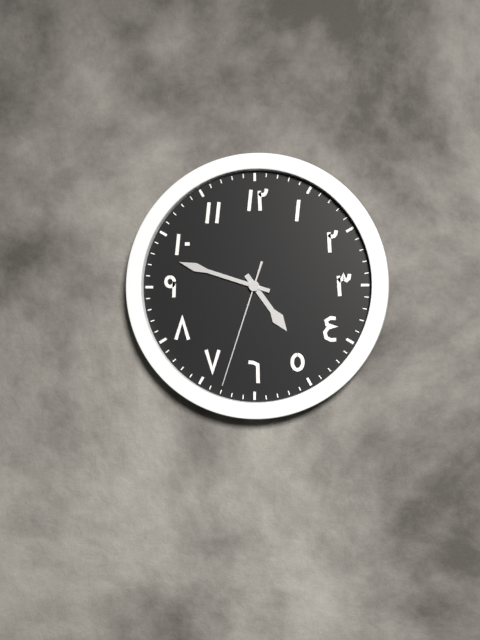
4:48:33
